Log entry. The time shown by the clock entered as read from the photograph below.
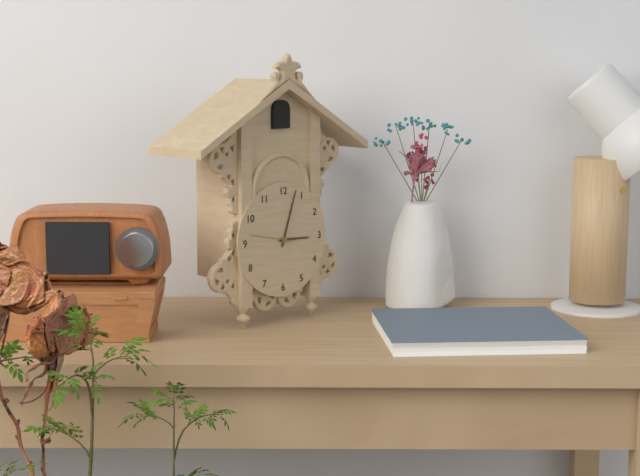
3:03
